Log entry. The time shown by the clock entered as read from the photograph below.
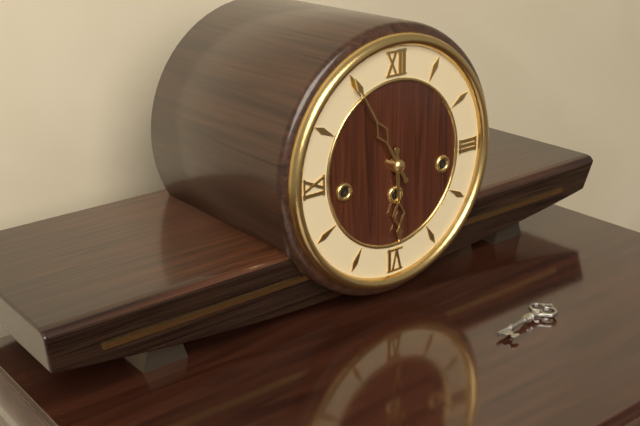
5:55
